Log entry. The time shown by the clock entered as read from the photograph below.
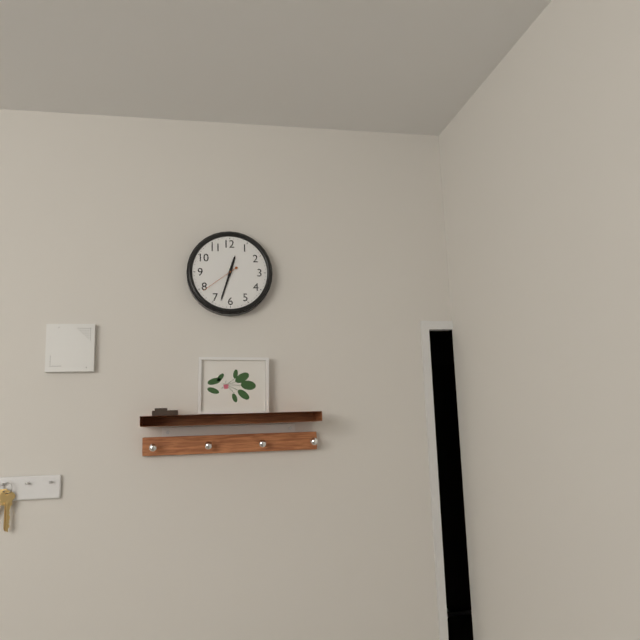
12:33
